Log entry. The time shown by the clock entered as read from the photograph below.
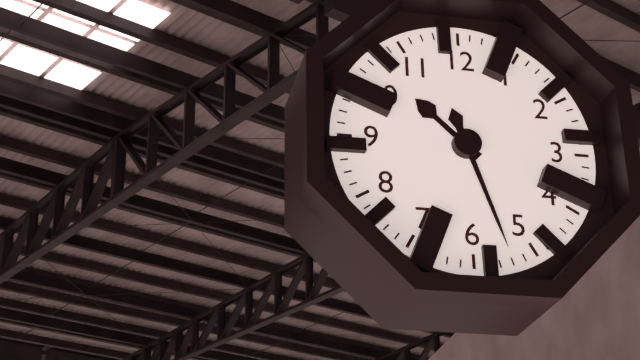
10:27
